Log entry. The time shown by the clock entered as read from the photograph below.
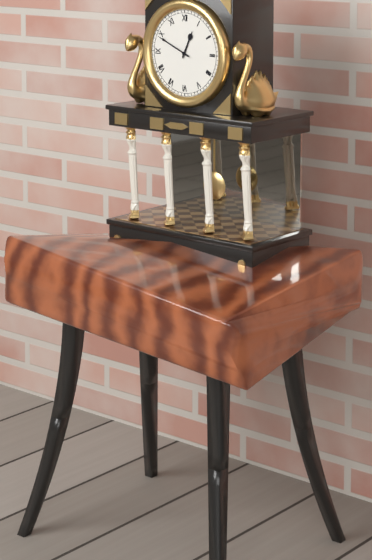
12:49
